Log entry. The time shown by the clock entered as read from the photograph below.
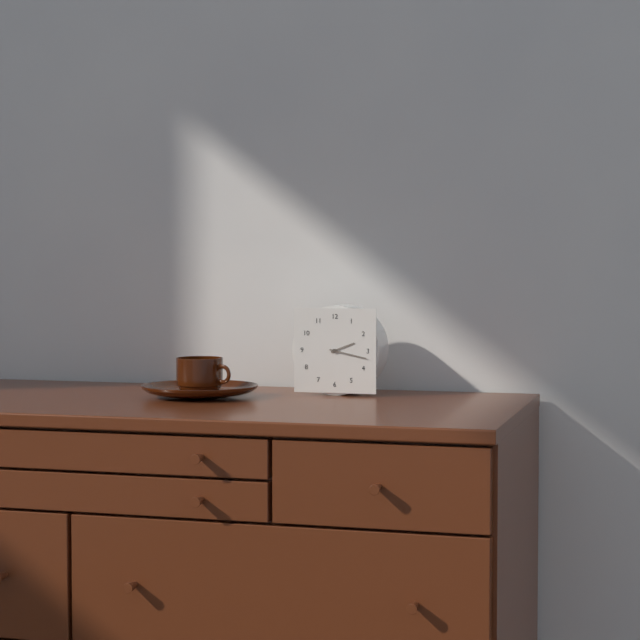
2:17
